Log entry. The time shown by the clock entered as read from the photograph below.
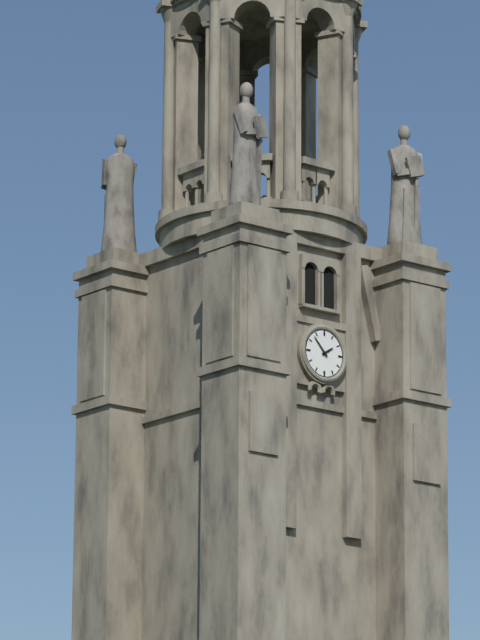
1:53
